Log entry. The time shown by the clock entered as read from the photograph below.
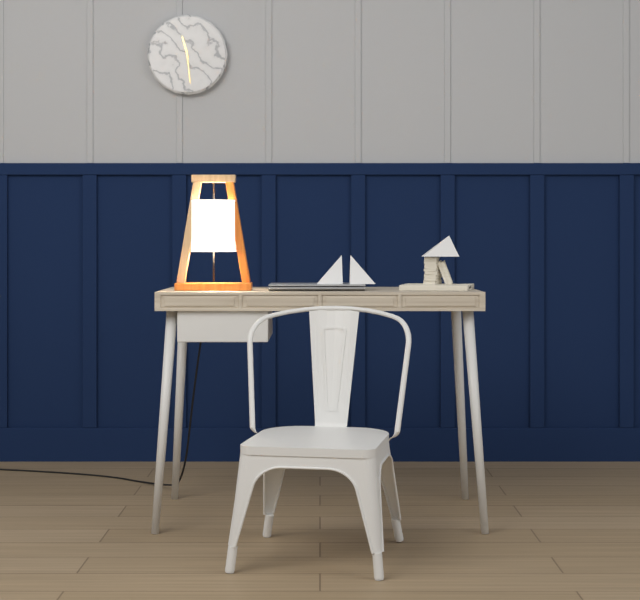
11:29
